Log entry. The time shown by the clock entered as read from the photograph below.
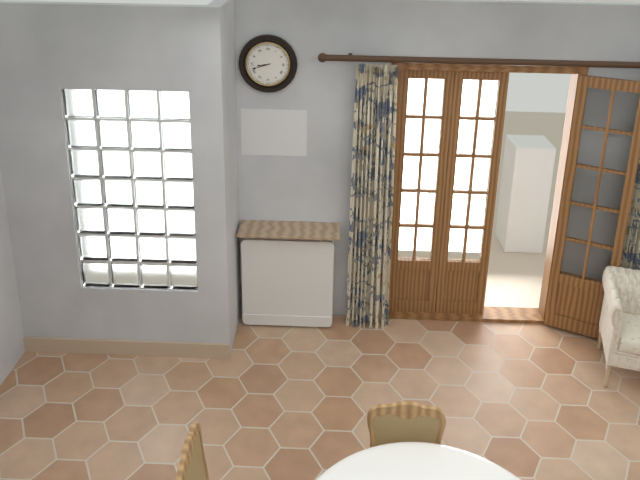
8:42
